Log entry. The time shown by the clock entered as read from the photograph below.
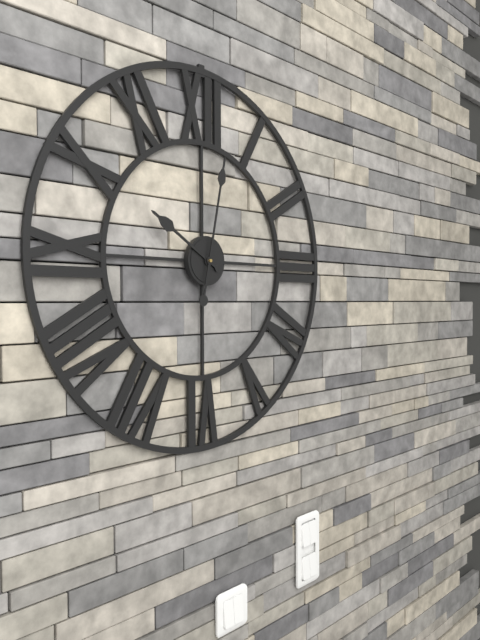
10:02
